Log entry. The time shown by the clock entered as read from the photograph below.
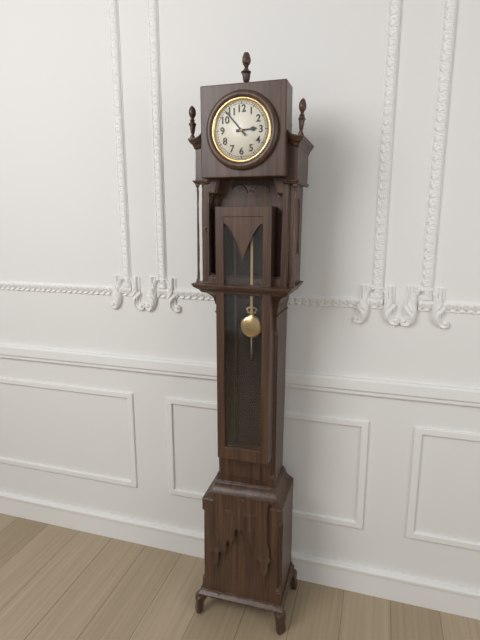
2:53
